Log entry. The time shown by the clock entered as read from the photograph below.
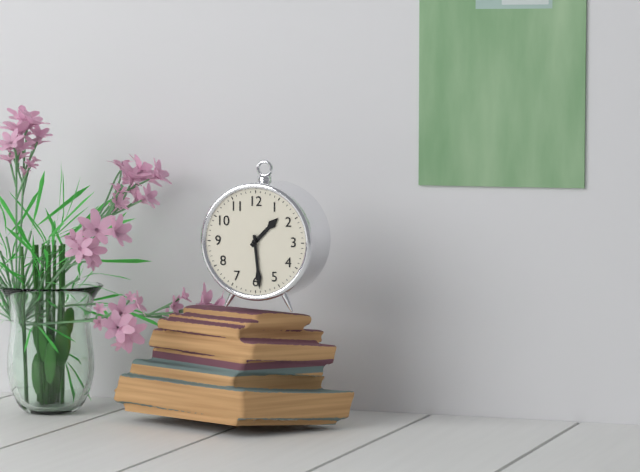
1:29
